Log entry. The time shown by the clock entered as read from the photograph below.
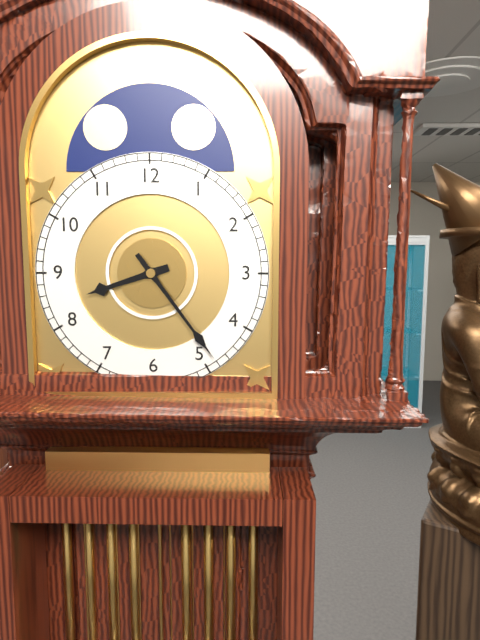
8:24
